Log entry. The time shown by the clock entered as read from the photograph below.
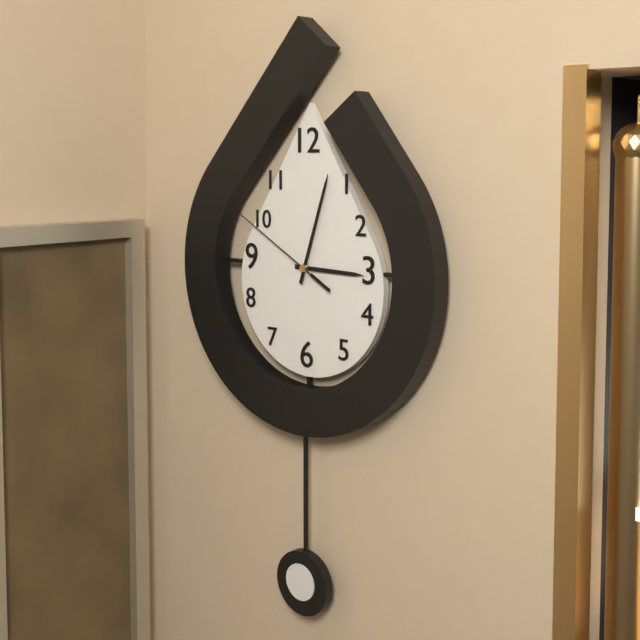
3:03:50
